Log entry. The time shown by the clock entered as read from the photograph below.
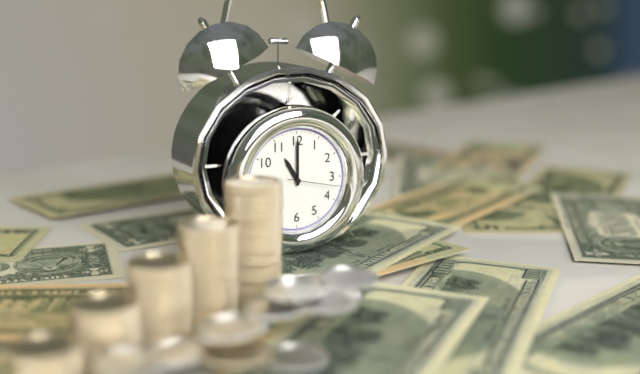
11:00:17
